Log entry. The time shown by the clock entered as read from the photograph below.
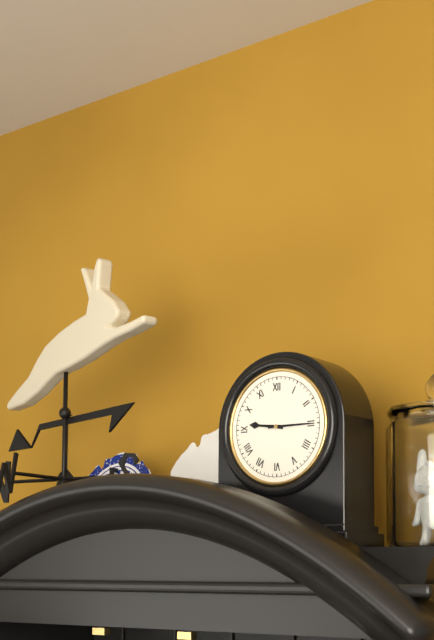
9:15
